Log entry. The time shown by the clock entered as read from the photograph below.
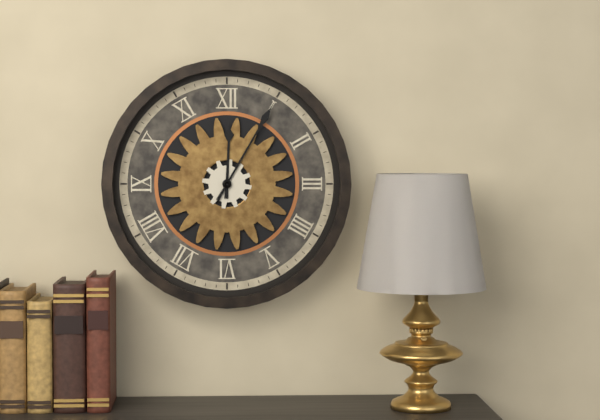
12:05
